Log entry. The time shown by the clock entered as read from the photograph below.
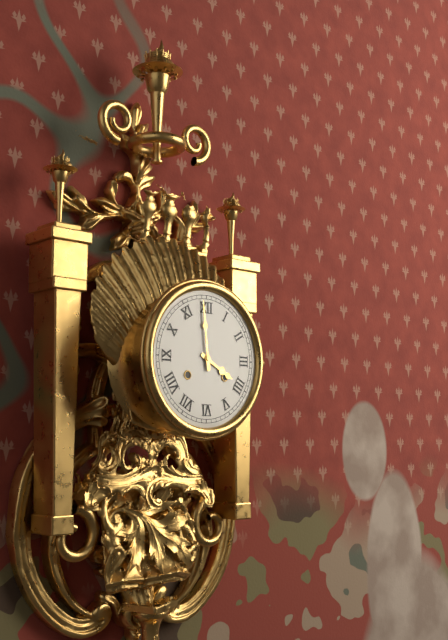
3:59
